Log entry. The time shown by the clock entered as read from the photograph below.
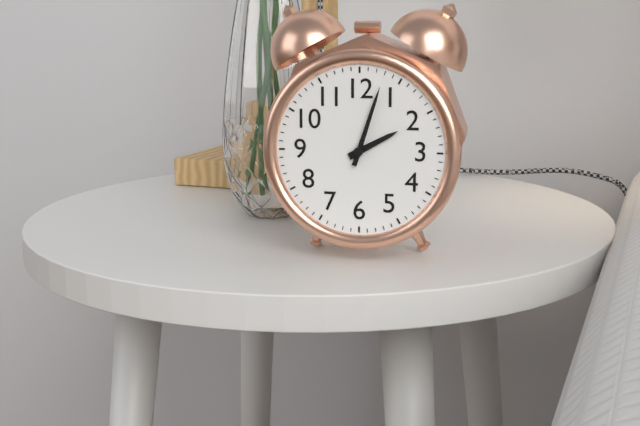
2:03
